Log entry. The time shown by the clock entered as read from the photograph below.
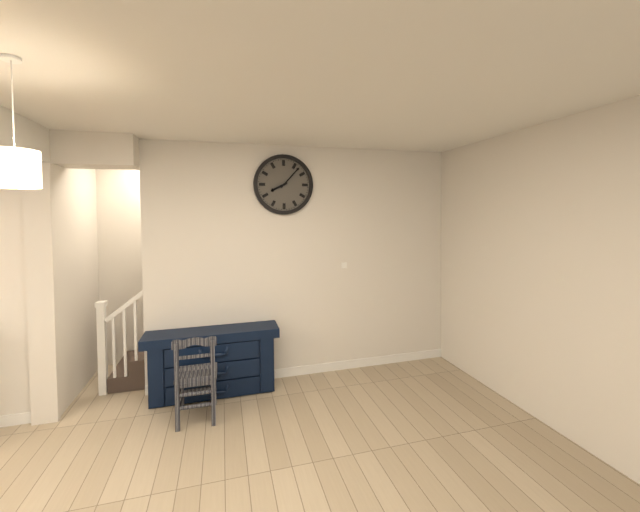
8:07
